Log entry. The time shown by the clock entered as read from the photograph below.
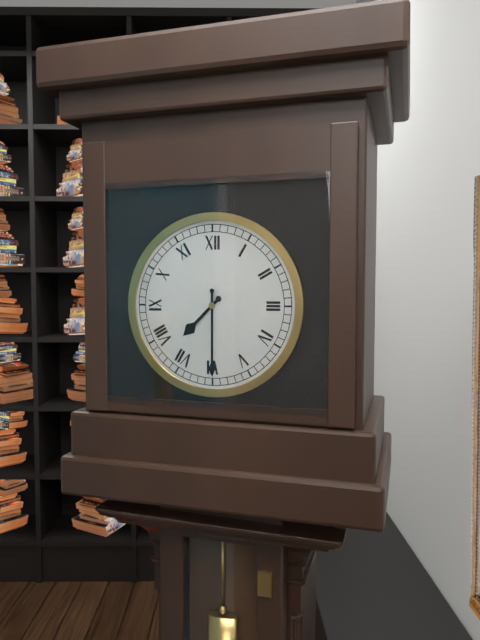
7:30
